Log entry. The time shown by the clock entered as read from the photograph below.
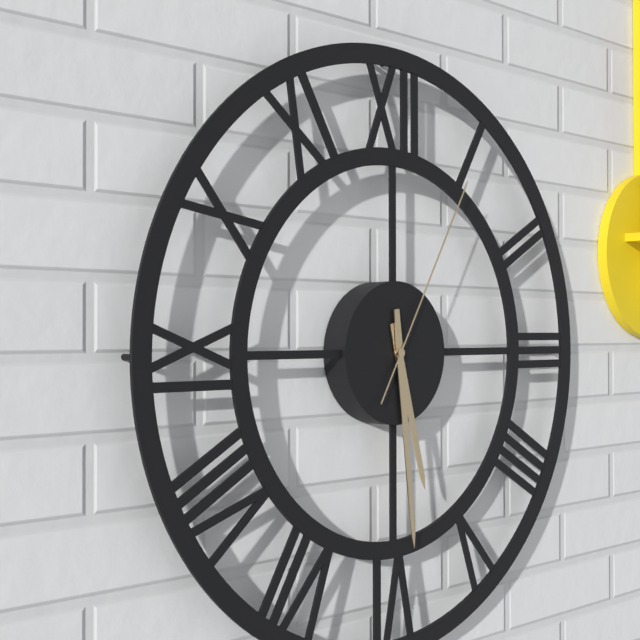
5:29:05
